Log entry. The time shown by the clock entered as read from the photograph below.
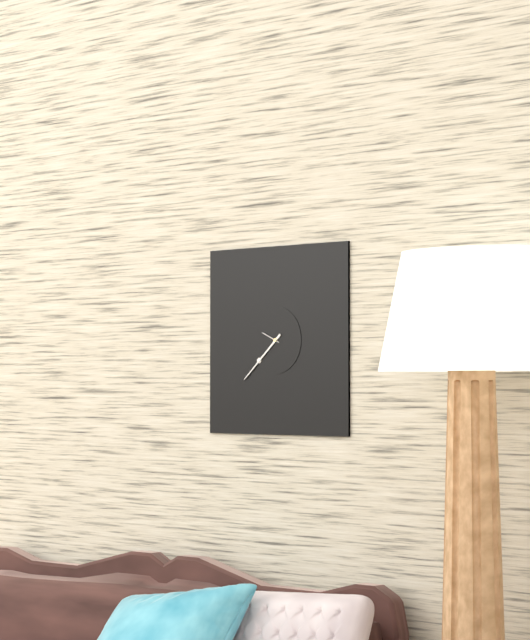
7:38
